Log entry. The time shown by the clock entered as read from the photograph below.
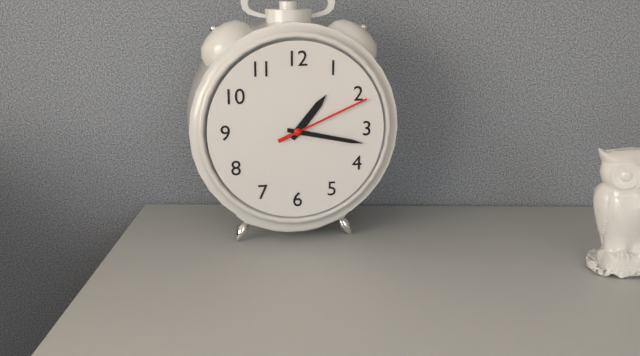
1:17:11
